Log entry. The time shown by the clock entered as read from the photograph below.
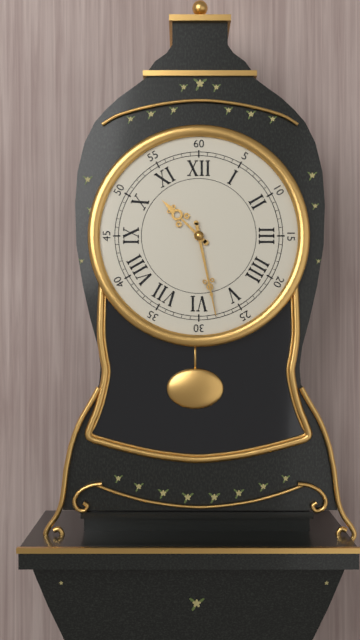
10:28
